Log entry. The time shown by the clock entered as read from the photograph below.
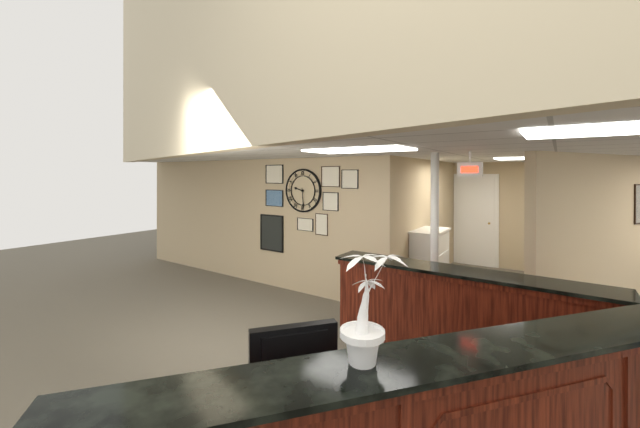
9:29
